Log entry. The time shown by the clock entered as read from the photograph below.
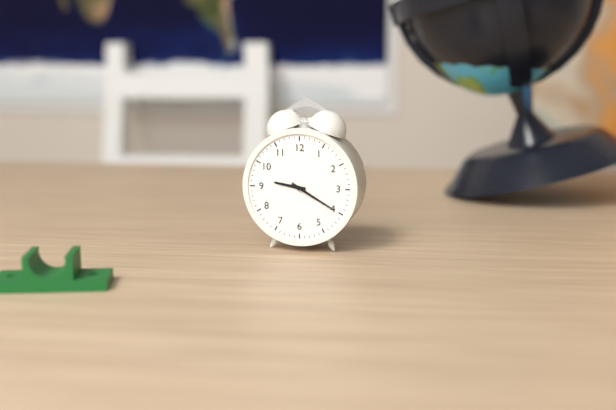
9:20
